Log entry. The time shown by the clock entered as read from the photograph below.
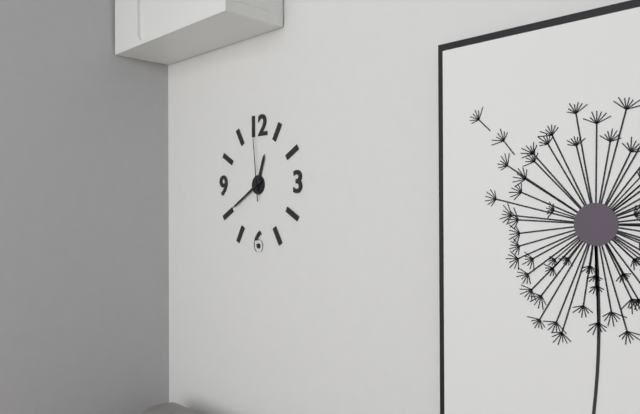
12:40:59
